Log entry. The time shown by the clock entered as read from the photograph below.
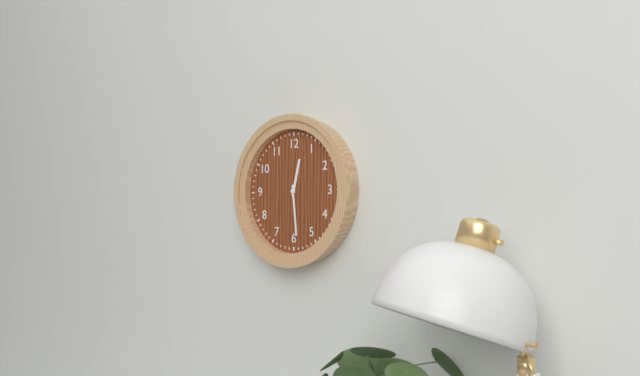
12:29
